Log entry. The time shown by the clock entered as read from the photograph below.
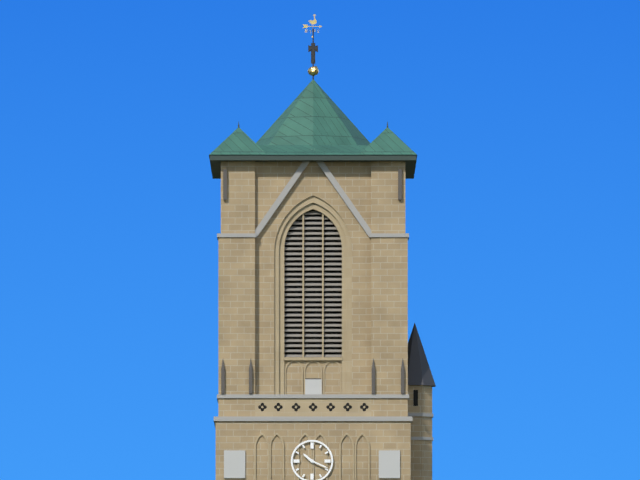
10:19
